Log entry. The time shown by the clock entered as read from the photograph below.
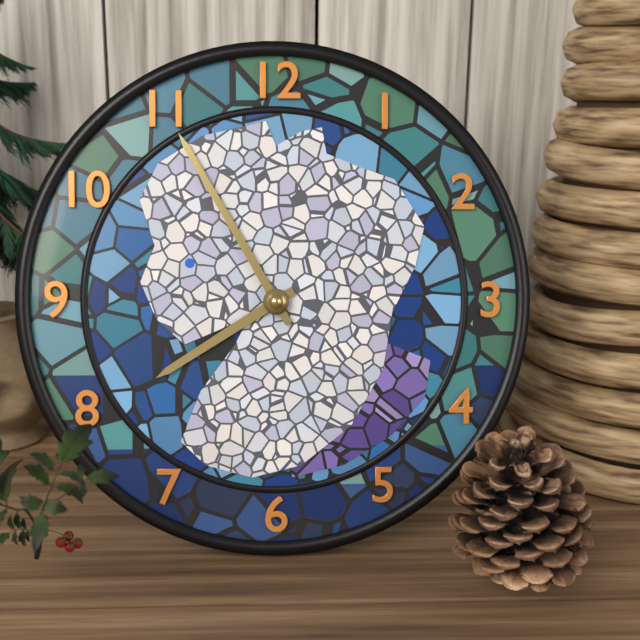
7:55
